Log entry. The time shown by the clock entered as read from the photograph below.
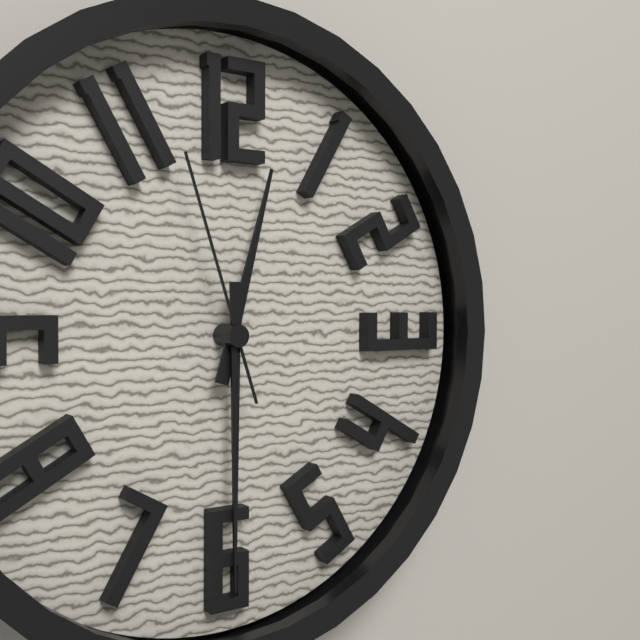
12:30:57
